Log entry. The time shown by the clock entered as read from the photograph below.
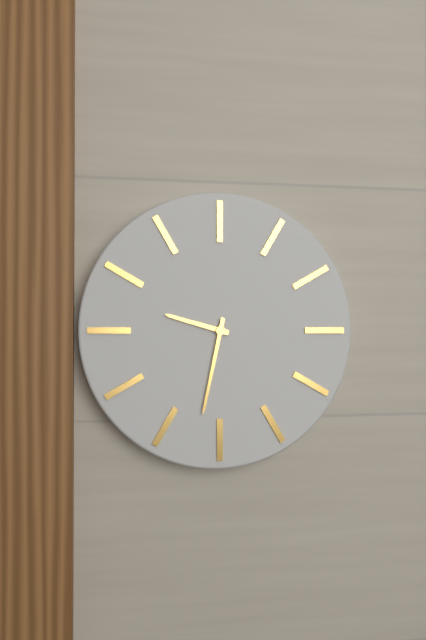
9:32
